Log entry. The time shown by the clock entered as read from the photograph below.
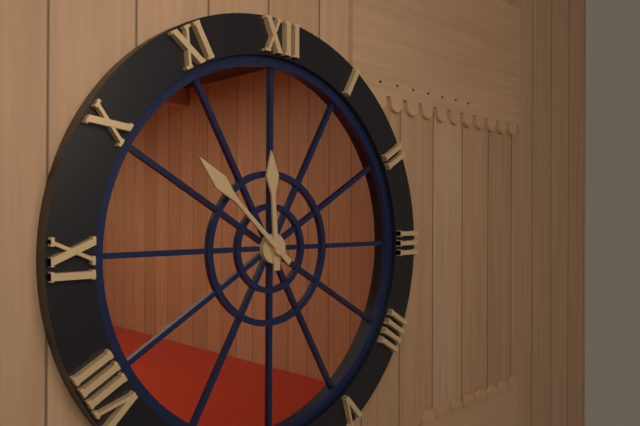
11:52
